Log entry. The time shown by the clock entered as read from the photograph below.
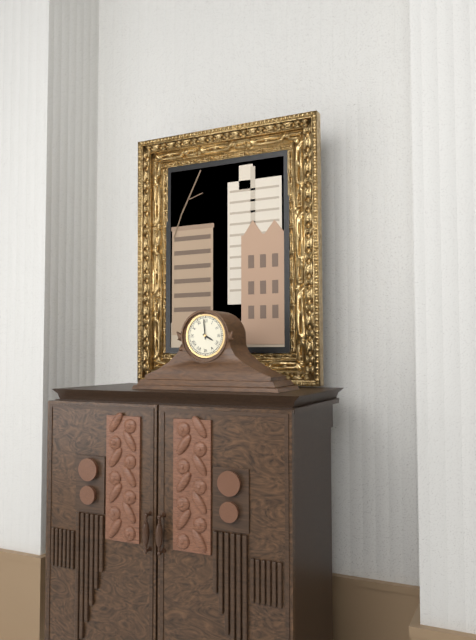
3:59
